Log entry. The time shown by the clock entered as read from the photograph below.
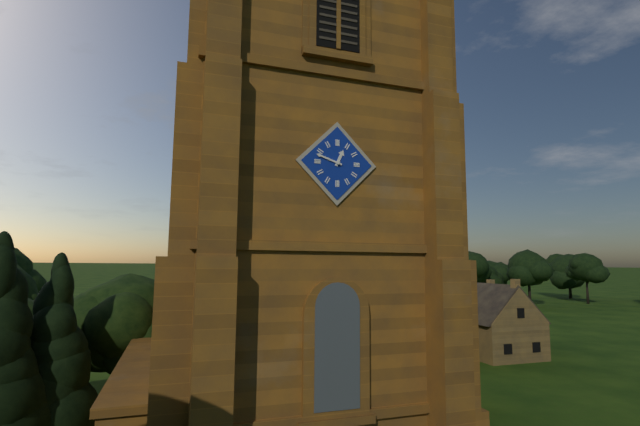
12:48
